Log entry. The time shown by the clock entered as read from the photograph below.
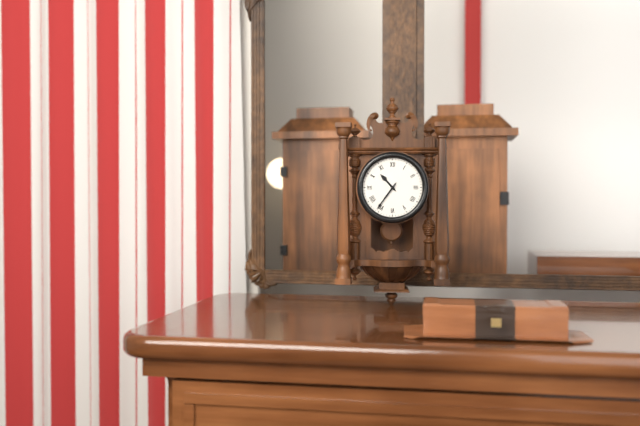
10:36
